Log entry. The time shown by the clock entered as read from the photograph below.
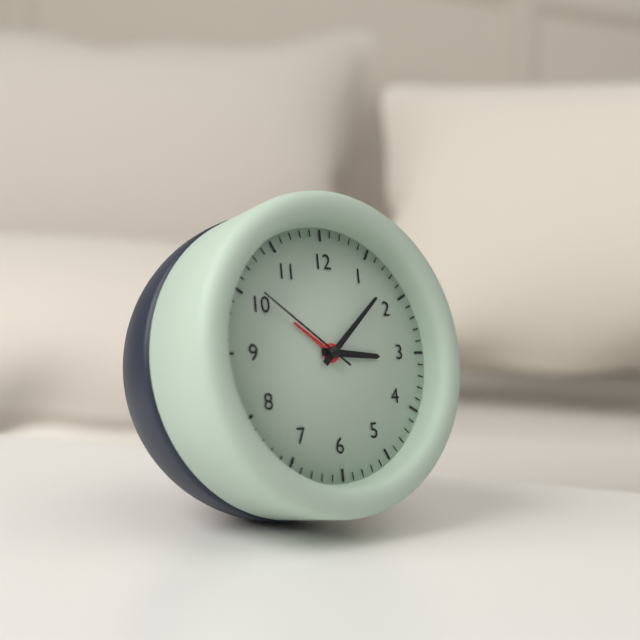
3:08:51
